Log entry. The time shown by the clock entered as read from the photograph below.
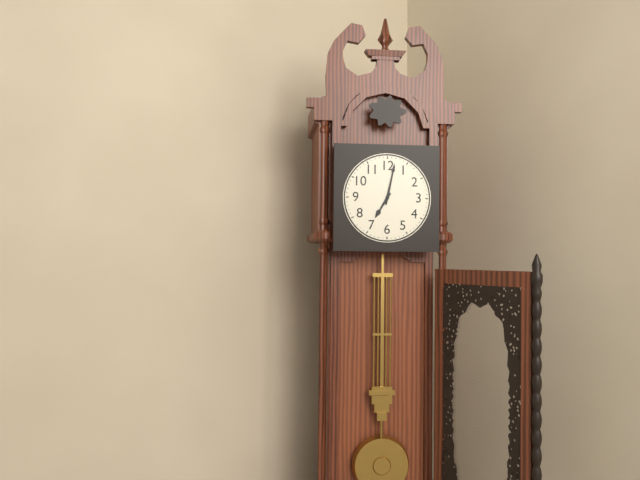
7:02
